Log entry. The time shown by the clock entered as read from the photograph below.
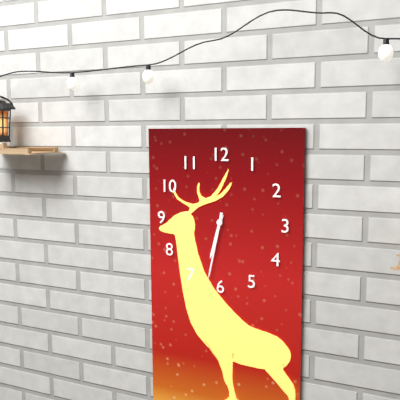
6:32
